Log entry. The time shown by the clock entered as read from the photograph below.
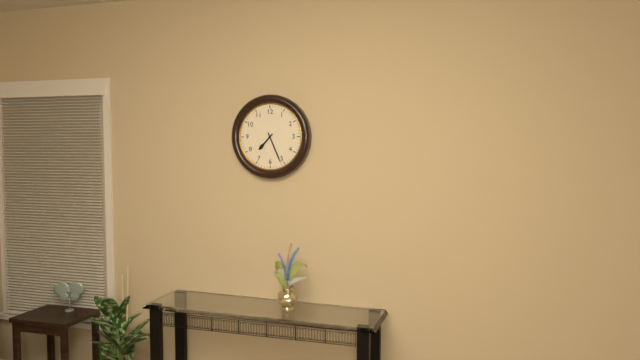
7:26
